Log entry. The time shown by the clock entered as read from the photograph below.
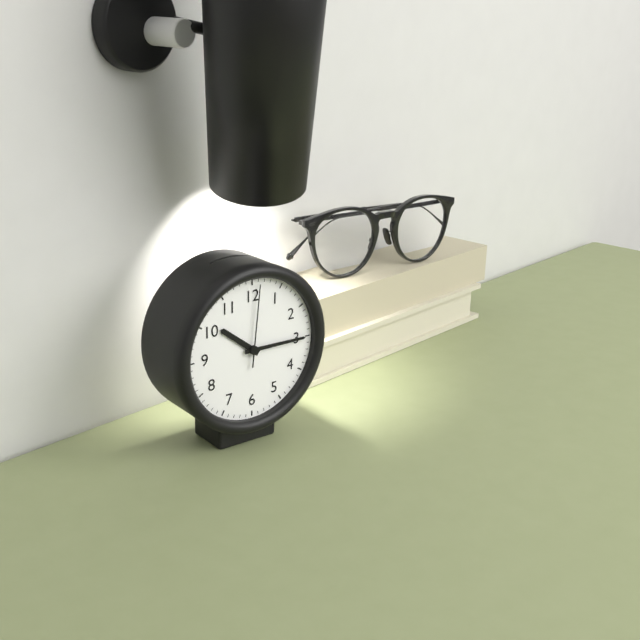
10:15:01
